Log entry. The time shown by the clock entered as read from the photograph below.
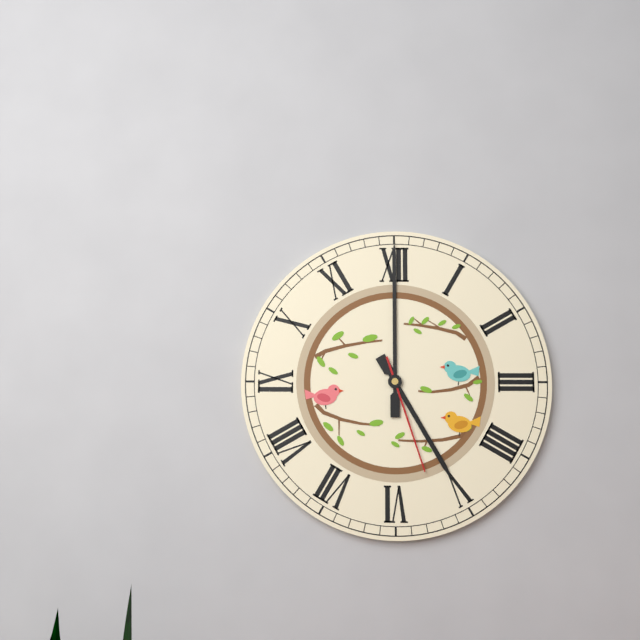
5:00:27
